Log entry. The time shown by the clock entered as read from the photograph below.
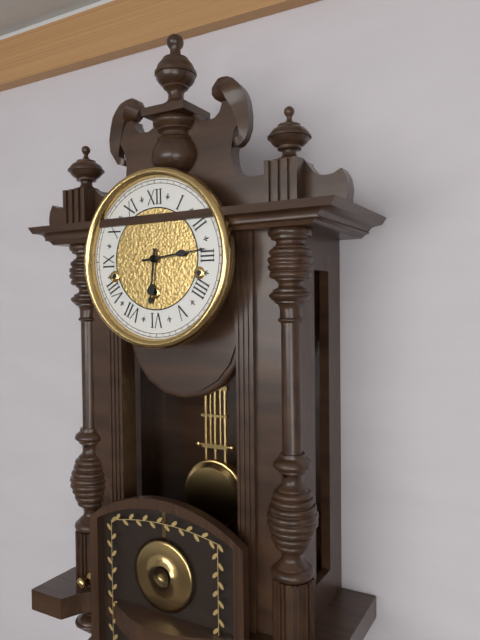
6:14
